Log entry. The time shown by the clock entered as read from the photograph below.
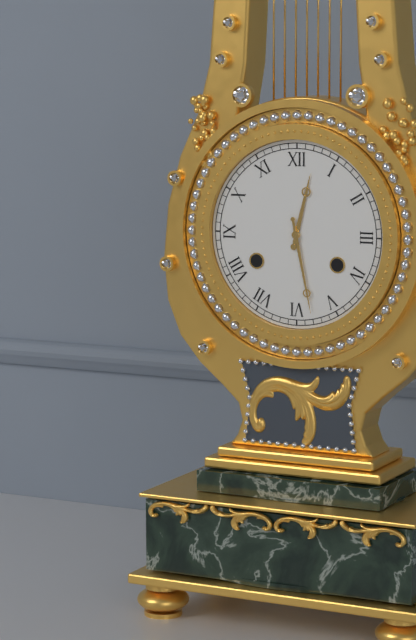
12:28
